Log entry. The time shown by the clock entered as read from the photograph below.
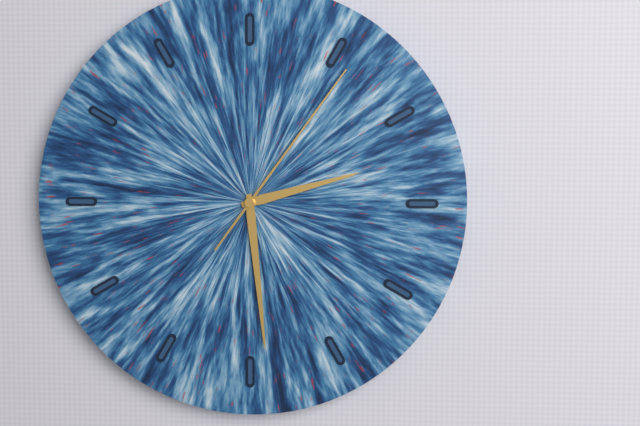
2:29:06
